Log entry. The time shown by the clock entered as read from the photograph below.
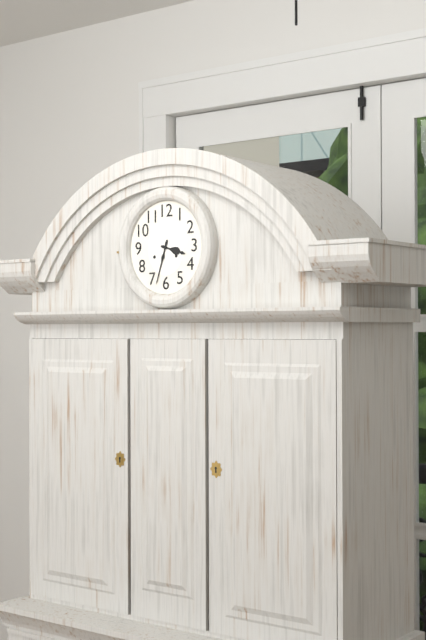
3:33
